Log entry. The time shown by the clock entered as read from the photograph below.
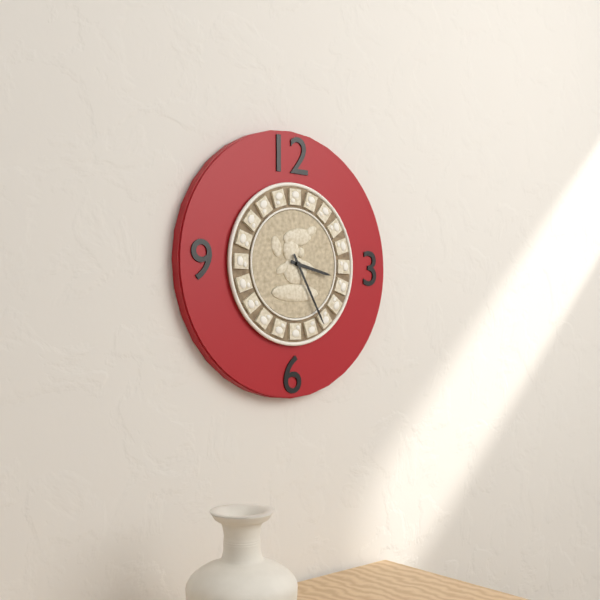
3:25
